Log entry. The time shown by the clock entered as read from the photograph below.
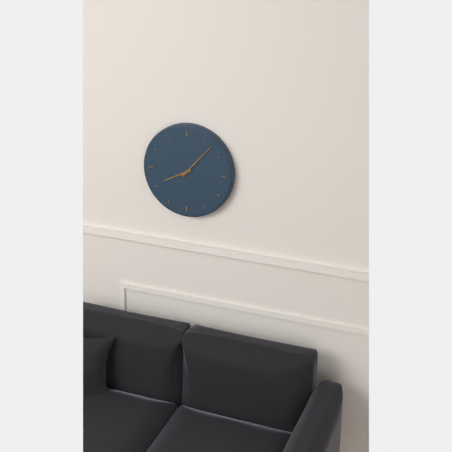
8:07
